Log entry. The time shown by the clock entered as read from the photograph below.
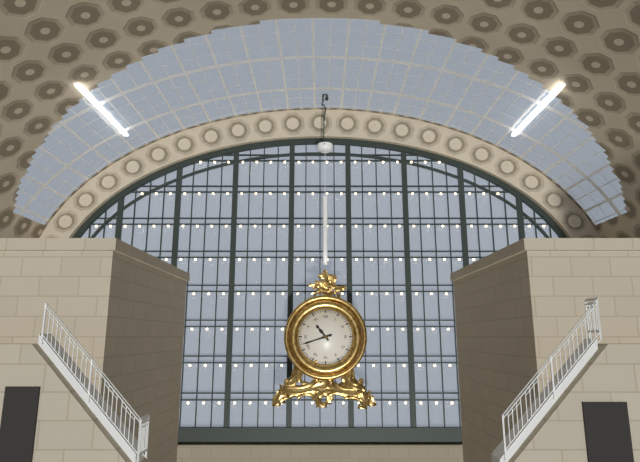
10:42
